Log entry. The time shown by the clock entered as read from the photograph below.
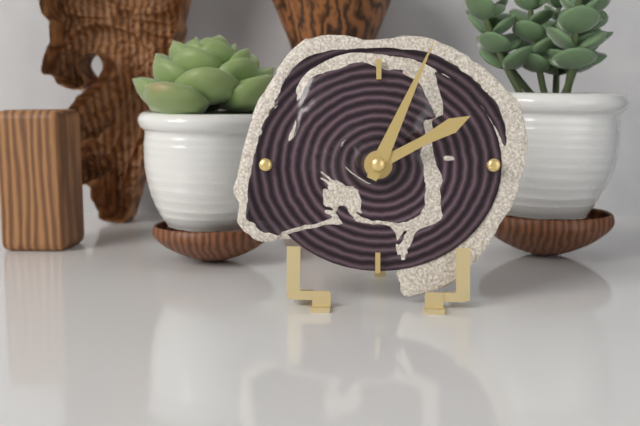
2:04
